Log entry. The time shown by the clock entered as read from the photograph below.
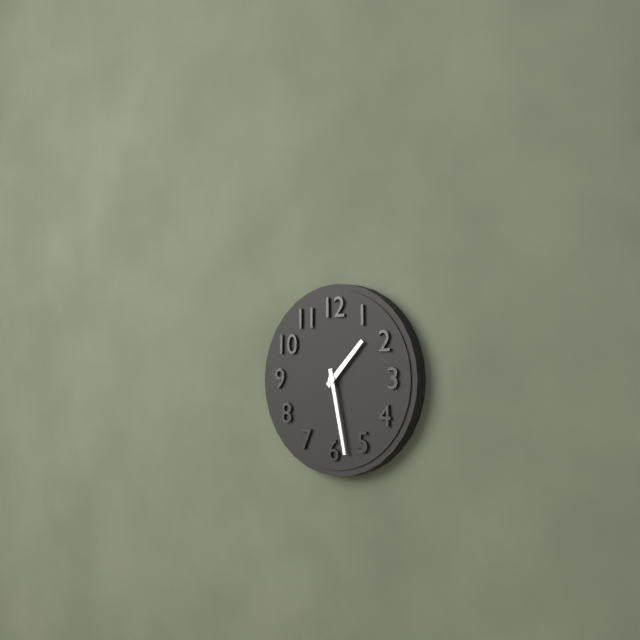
1:28
